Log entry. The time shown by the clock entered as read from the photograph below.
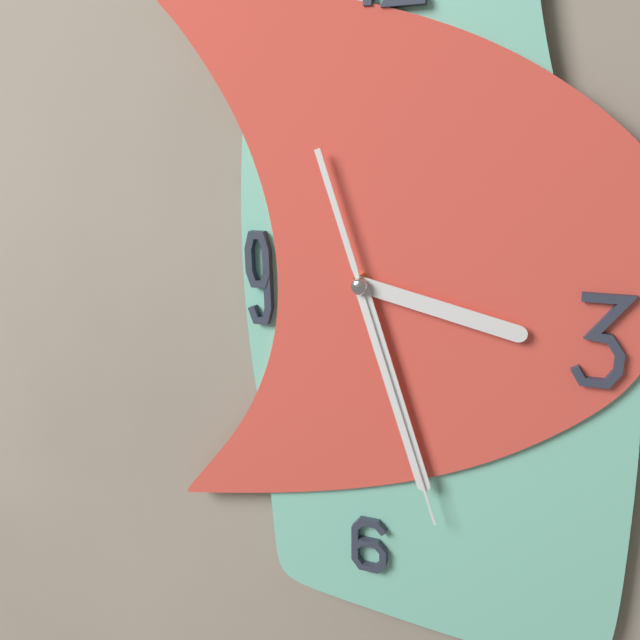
3:27:27
